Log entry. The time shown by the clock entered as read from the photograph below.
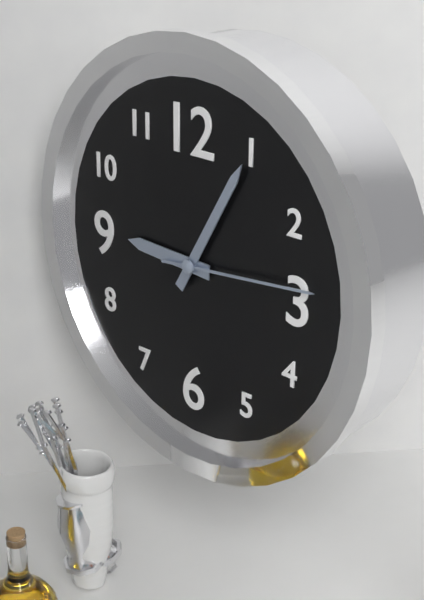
9:05:14
